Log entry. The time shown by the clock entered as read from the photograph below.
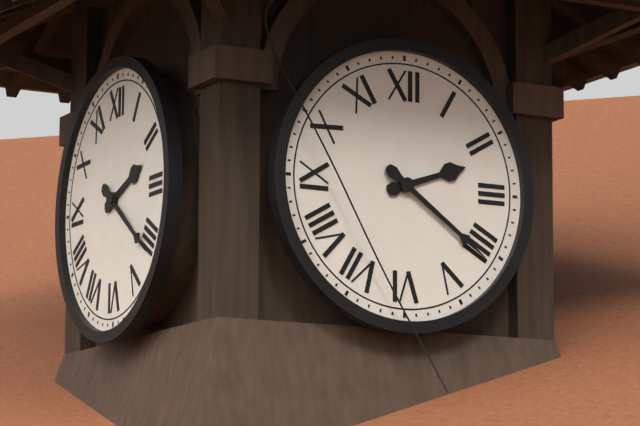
2:21
